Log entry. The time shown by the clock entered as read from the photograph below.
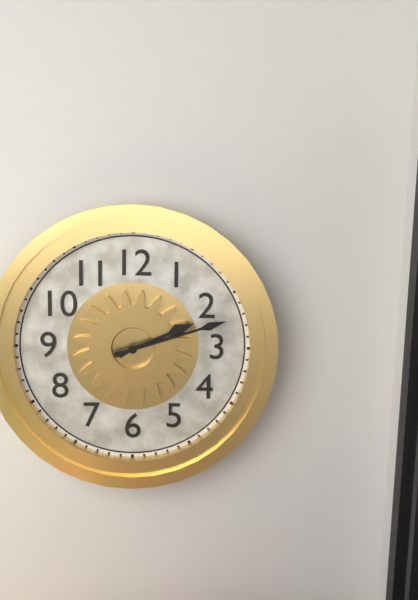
2:12
